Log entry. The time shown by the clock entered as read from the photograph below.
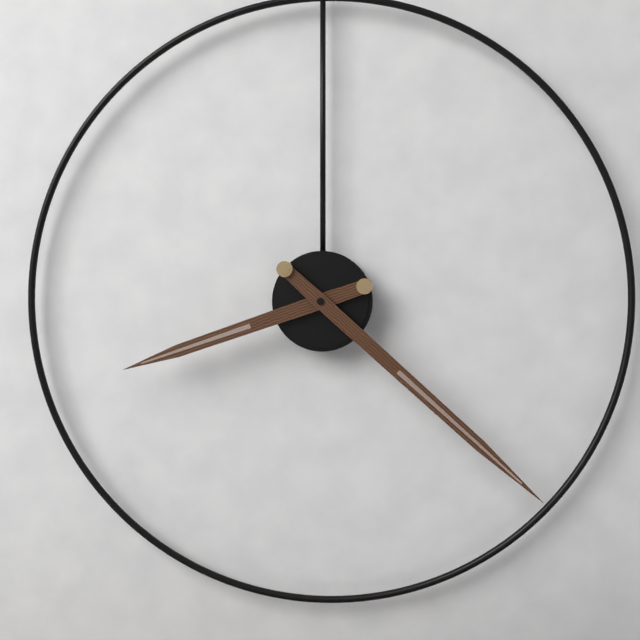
8:22
